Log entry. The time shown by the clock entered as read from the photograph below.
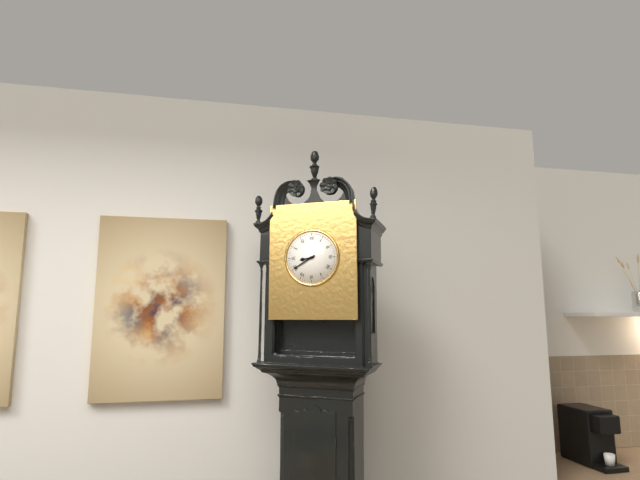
8:40
